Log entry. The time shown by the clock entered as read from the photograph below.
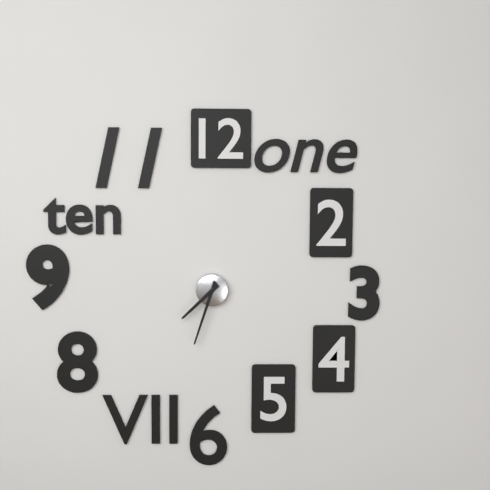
7:33
